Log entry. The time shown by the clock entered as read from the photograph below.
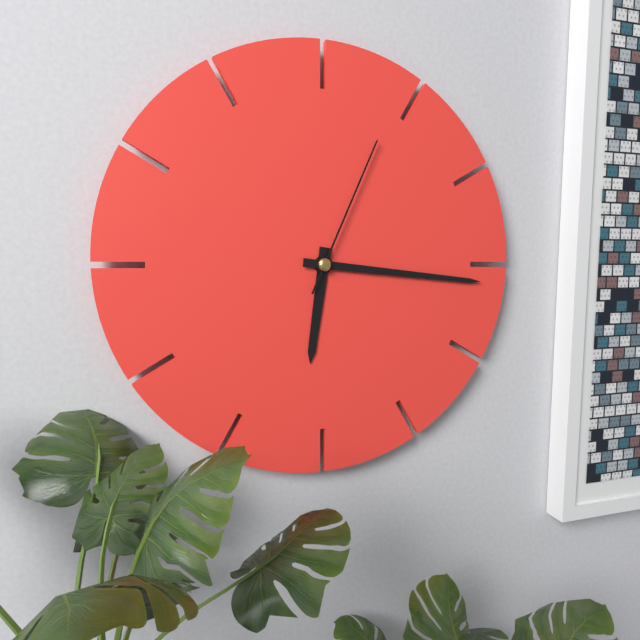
6:16:04
